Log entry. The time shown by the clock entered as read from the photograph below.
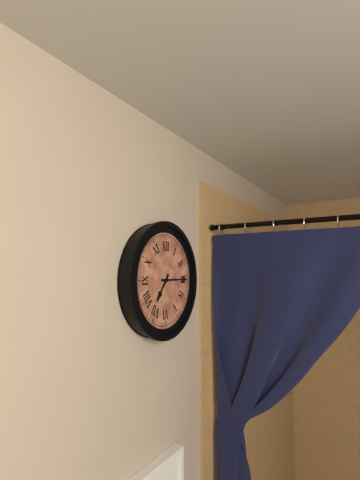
7:15
